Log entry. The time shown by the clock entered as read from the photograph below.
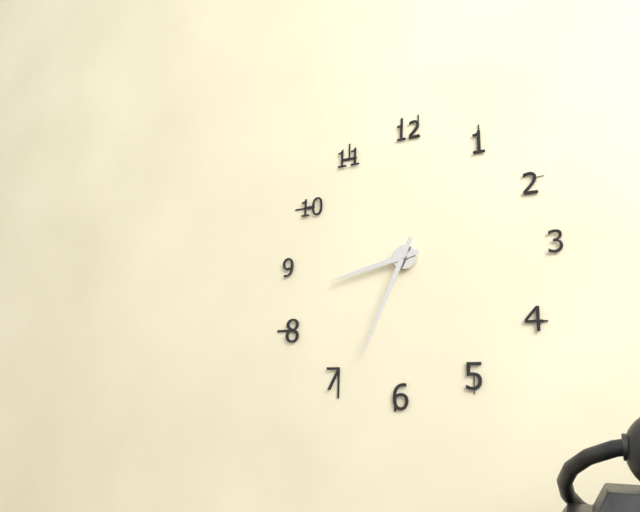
8:34
